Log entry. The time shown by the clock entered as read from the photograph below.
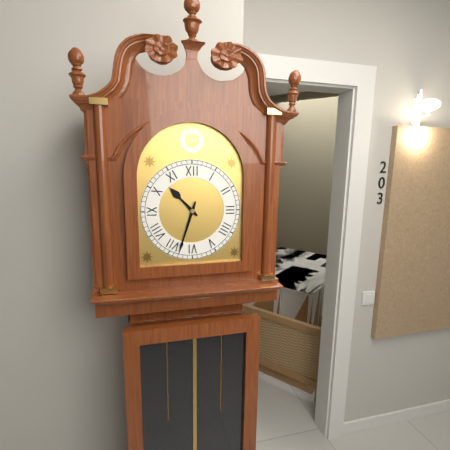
10:33
